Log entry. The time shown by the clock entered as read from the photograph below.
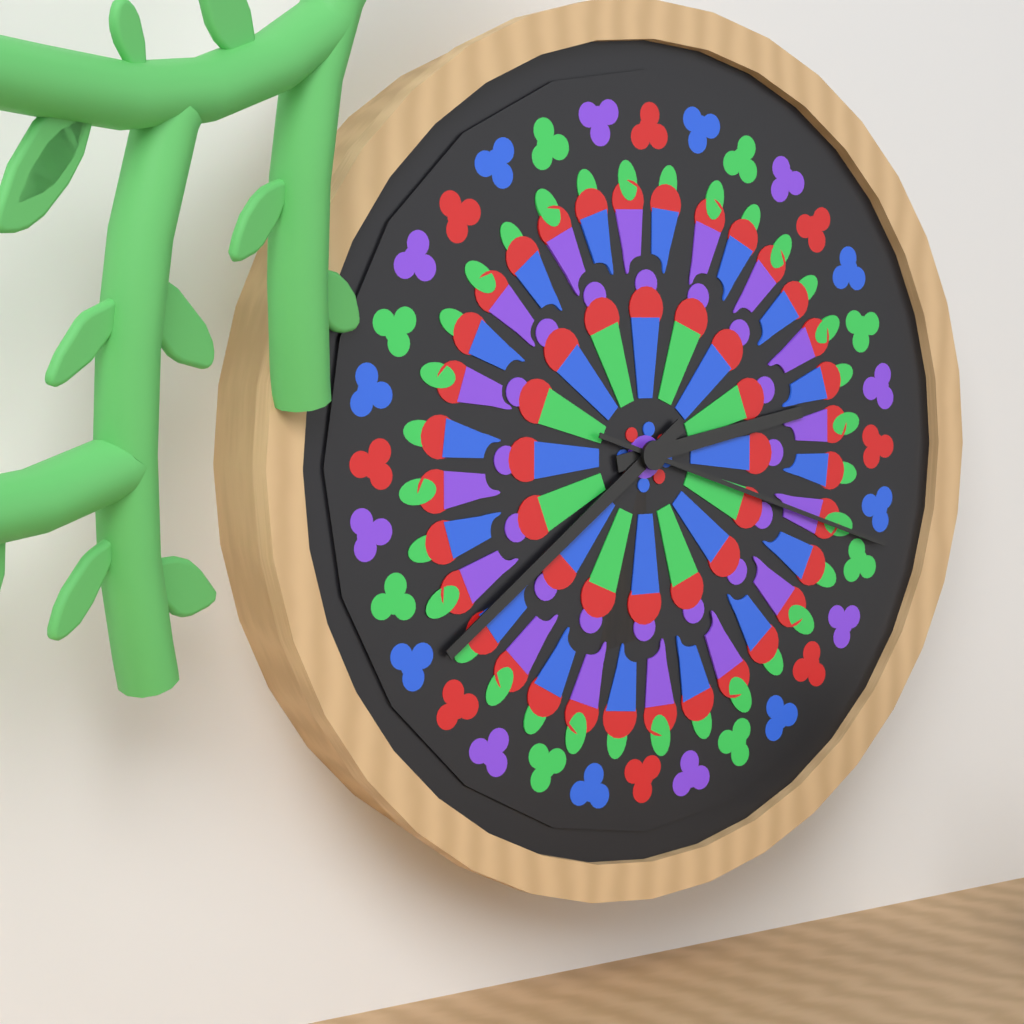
2:39:18
